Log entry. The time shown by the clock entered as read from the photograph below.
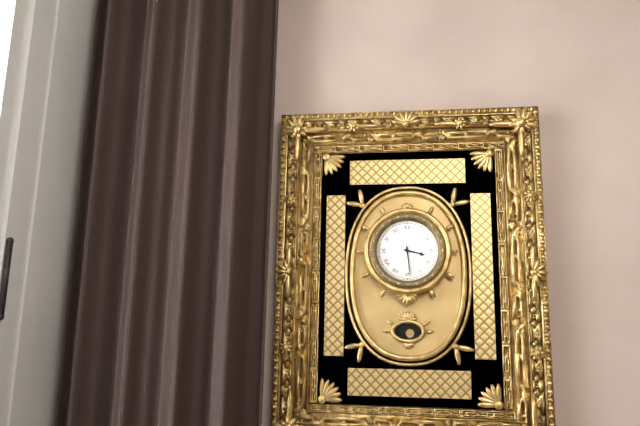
3:29
